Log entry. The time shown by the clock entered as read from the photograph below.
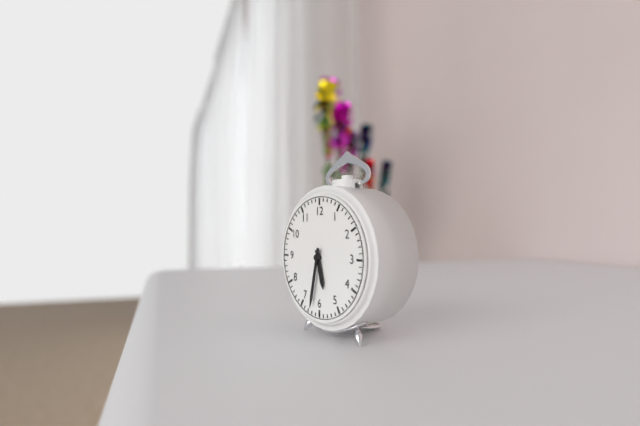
5:32
